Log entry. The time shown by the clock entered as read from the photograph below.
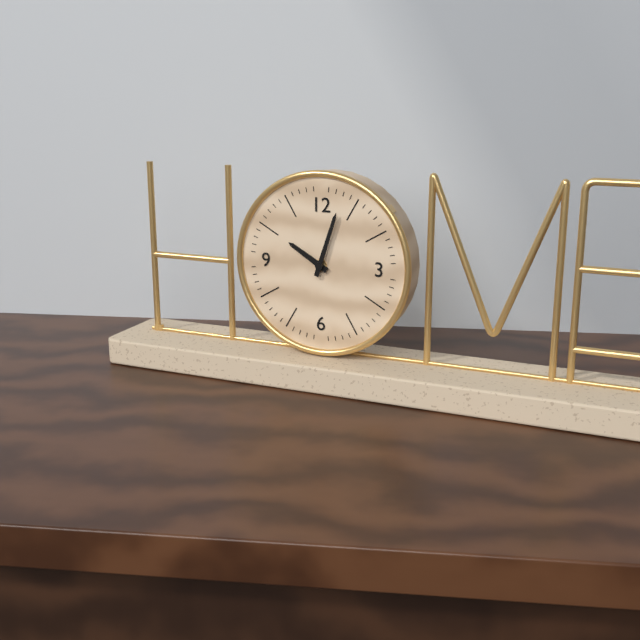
10:03
